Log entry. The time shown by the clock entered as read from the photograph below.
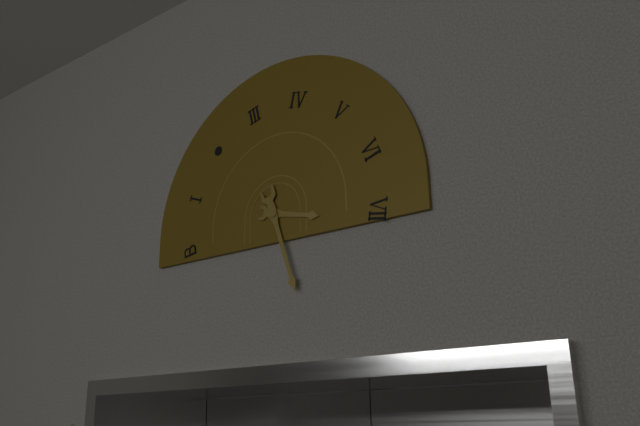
3:27
